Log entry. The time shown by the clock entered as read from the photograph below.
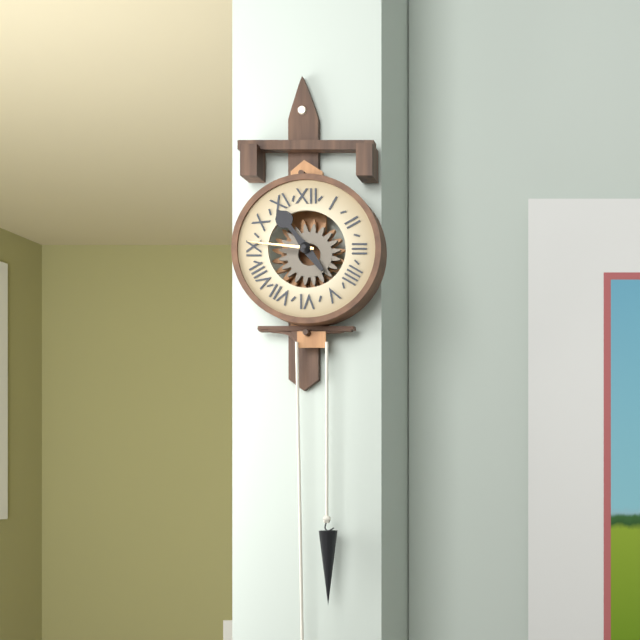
10:46
